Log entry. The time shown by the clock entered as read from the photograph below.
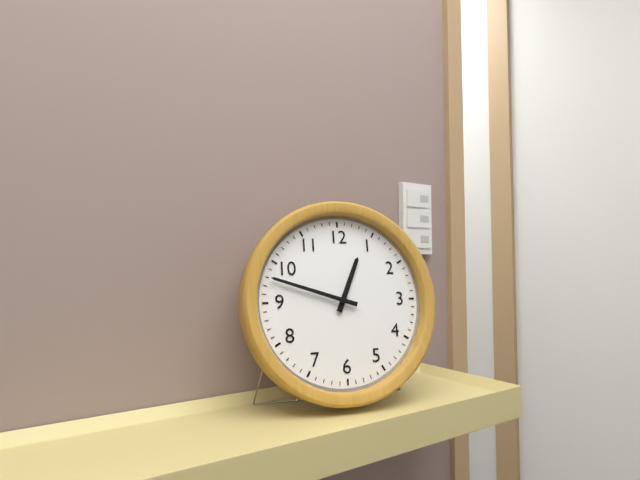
12:48
